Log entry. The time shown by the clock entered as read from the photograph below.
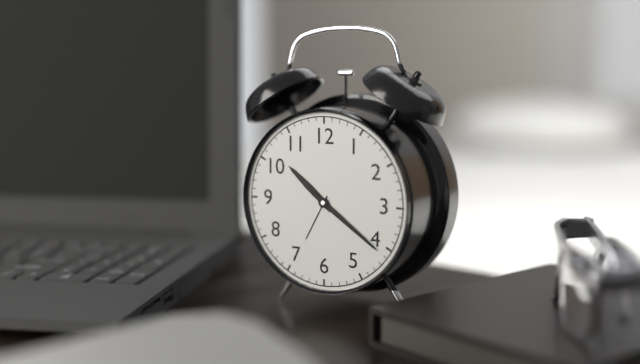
10:21
